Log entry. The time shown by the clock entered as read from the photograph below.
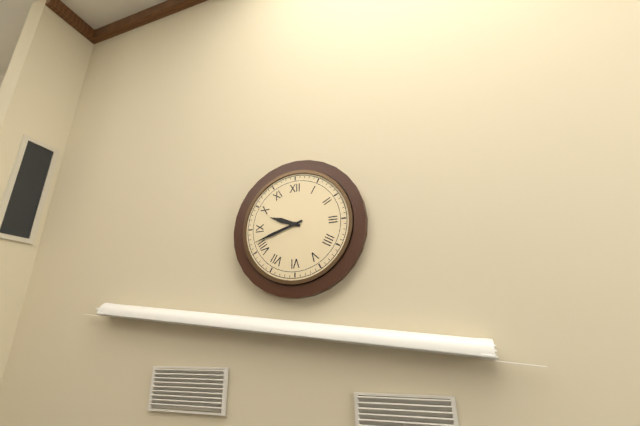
9:42
